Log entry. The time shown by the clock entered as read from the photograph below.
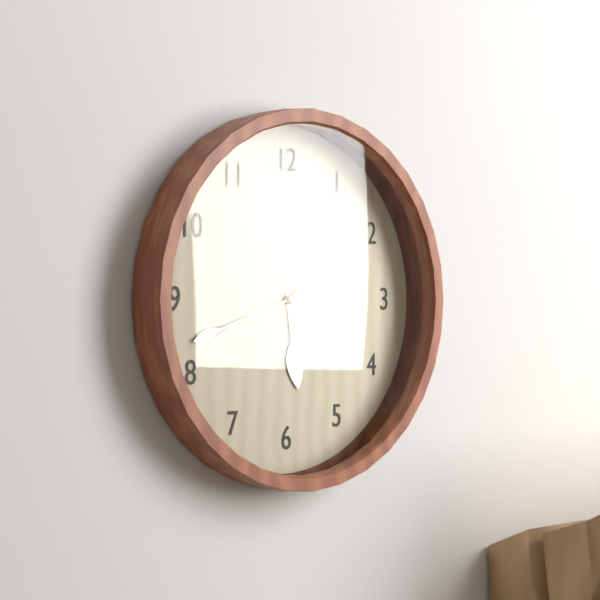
5:42
